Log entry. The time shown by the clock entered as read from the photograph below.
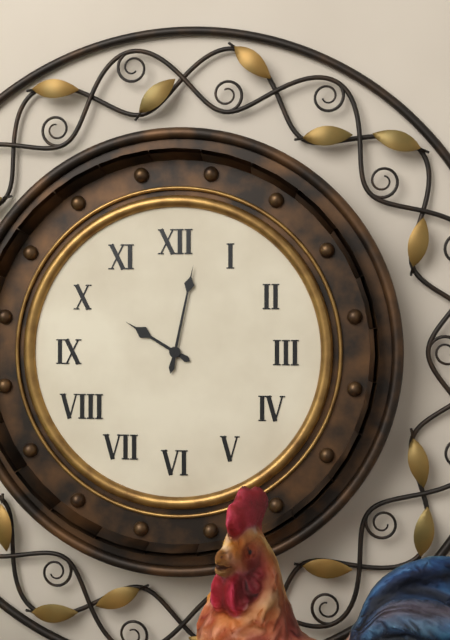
10:02
